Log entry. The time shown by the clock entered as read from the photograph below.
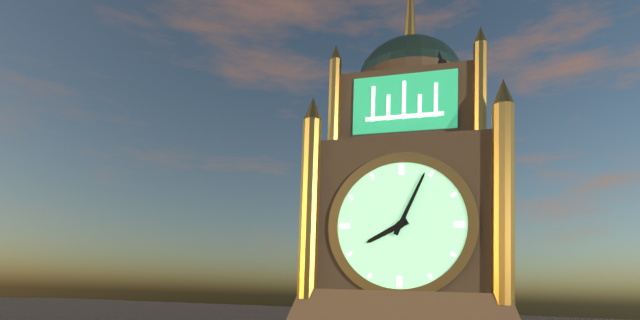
8:04
